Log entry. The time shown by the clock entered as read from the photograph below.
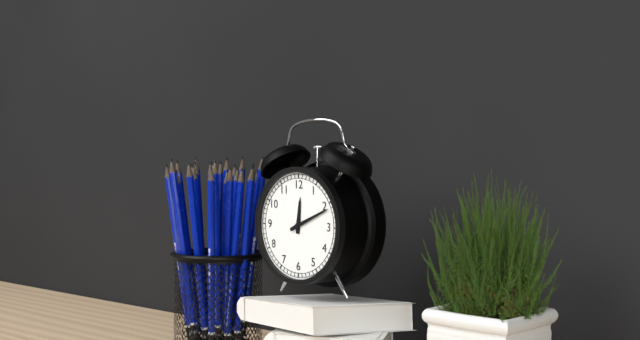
12:11
